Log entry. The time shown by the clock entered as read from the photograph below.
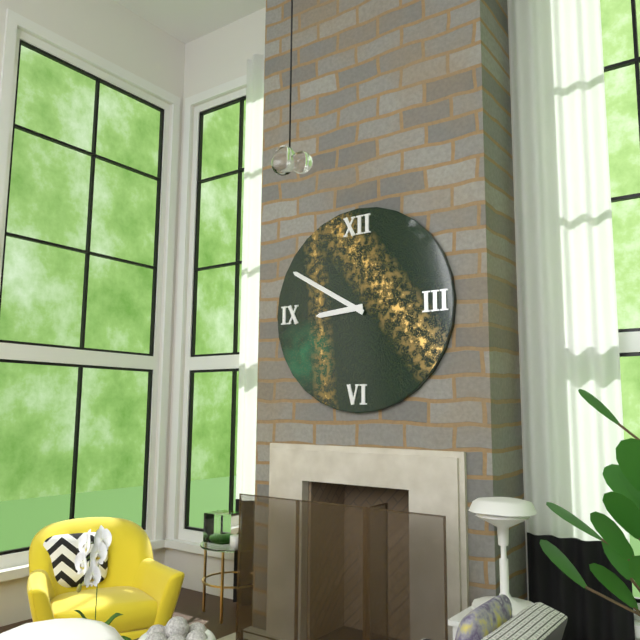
8:50
